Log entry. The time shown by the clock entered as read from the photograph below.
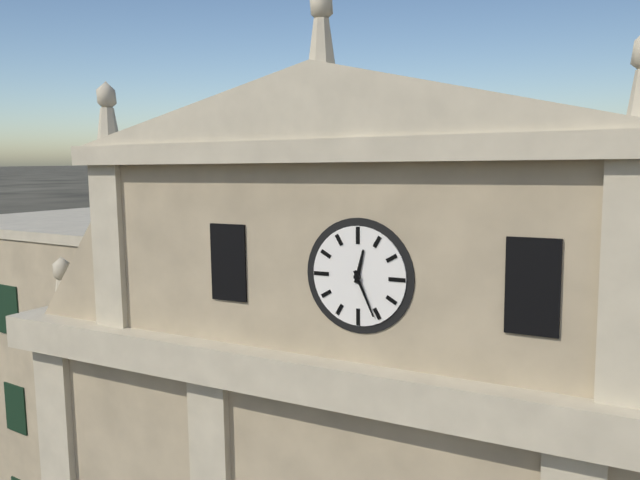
12:26
